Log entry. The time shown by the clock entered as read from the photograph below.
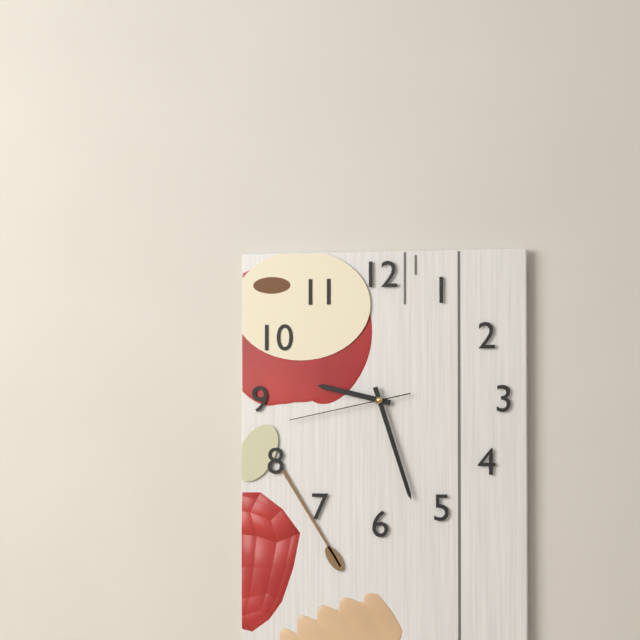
9:27:43
